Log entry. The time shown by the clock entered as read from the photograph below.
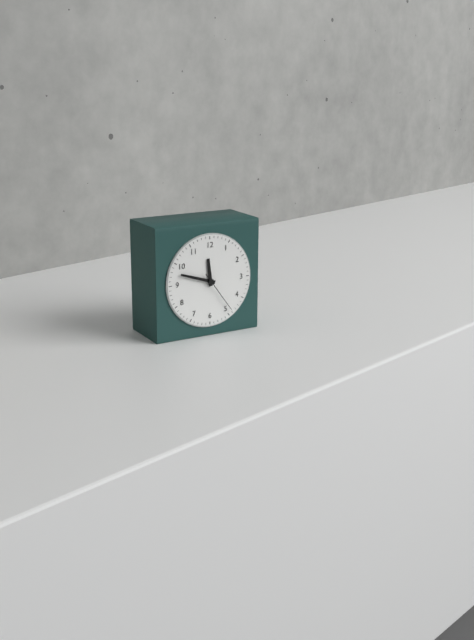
11:48
